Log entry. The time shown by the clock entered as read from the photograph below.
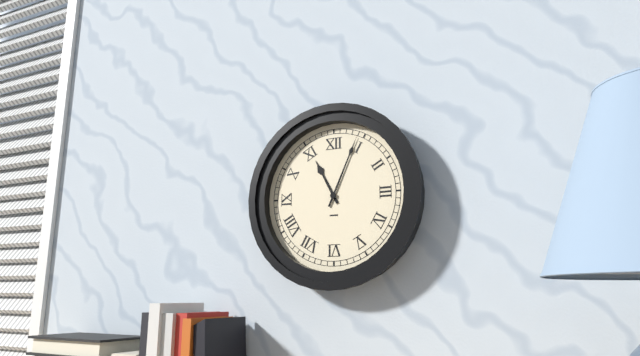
11:04
